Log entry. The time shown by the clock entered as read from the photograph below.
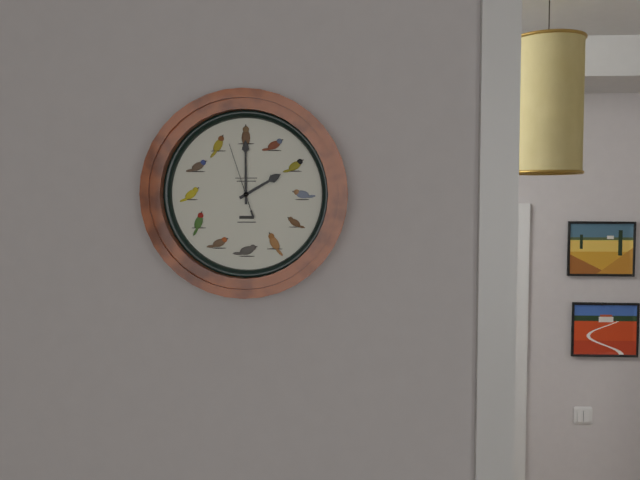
2:00:57
